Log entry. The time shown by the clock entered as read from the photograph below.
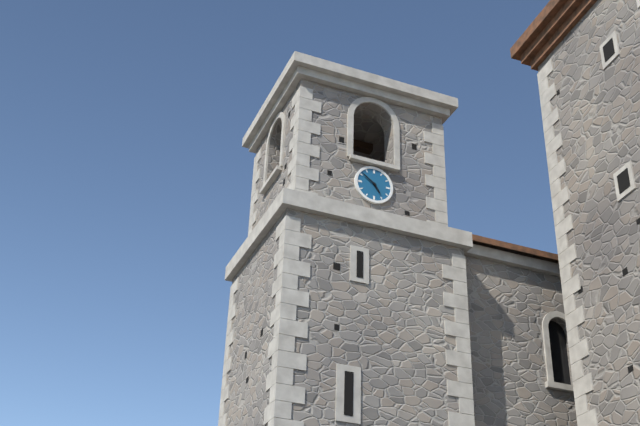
4:51
